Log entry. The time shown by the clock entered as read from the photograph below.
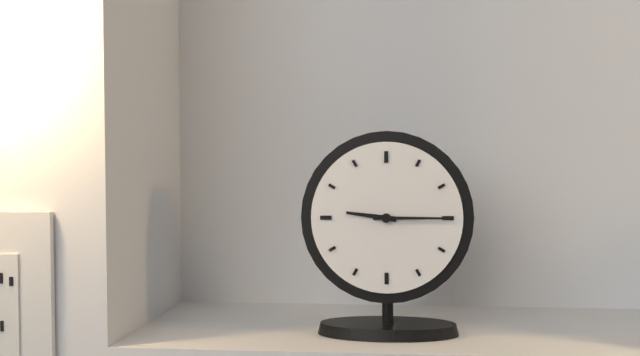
9:15
